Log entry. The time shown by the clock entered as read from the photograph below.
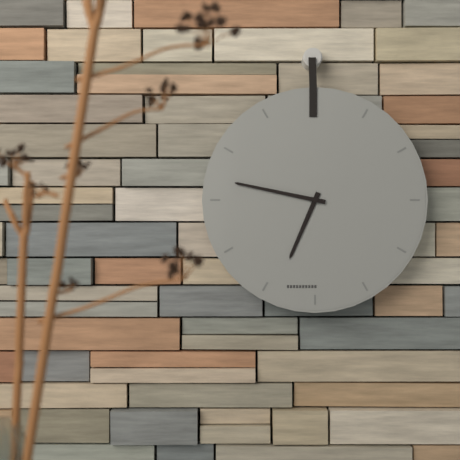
6:47
